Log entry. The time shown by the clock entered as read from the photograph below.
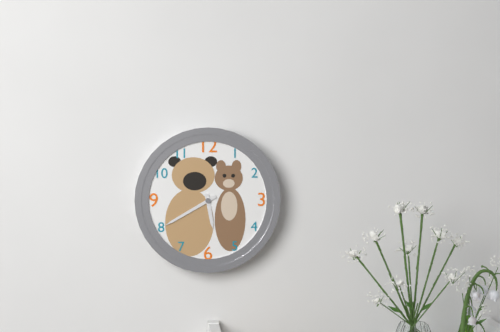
5:40
